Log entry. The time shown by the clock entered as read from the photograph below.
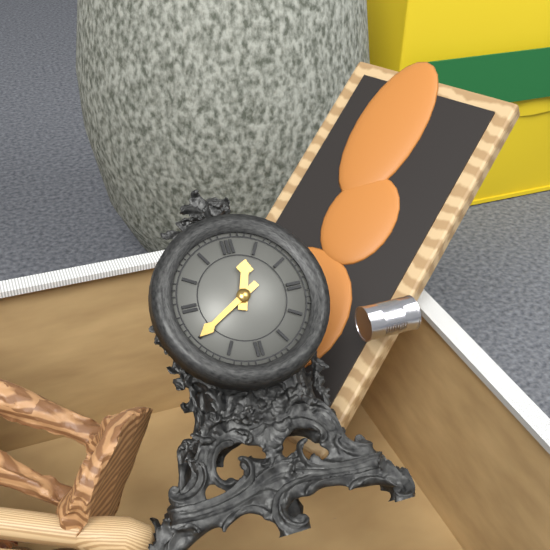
12:40
